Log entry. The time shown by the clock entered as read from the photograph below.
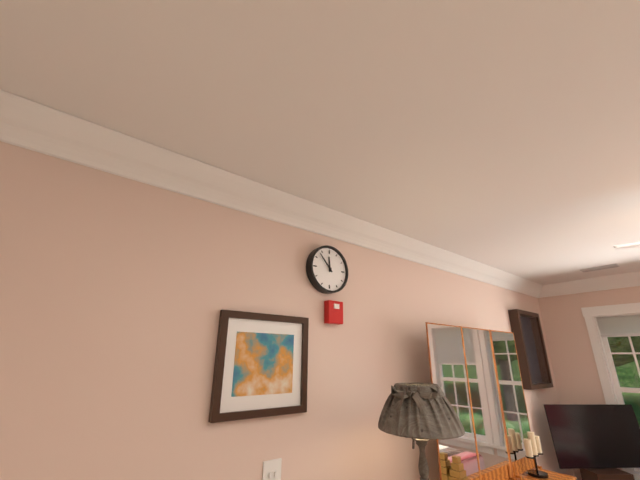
11:53
